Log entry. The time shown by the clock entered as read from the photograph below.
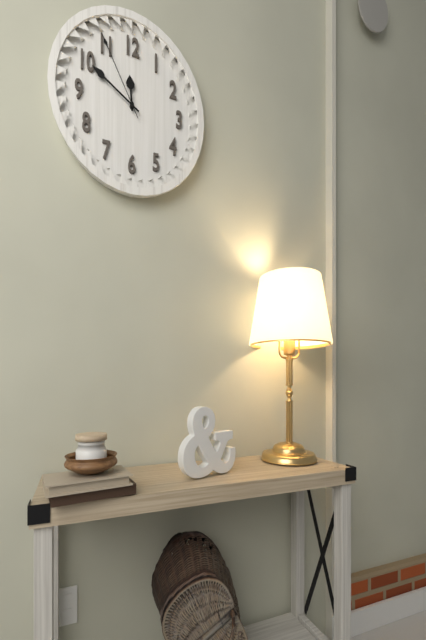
11:50:55
